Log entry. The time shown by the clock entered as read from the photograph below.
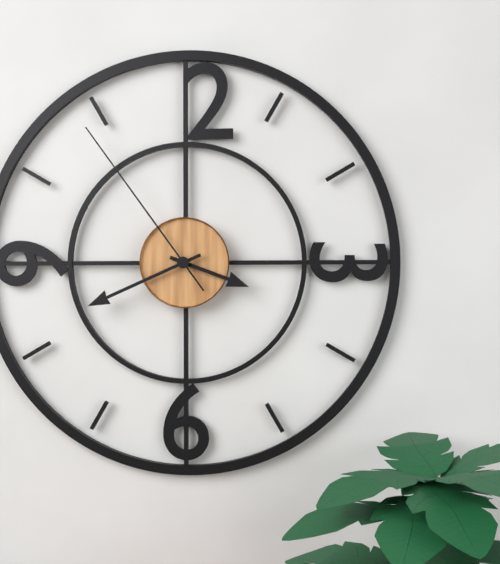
3:41:54
